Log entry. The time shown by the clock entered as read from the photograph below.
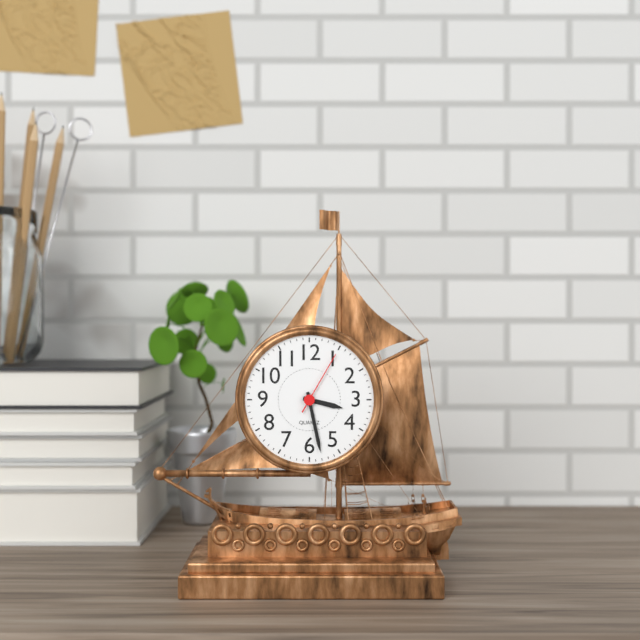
3:28:05
